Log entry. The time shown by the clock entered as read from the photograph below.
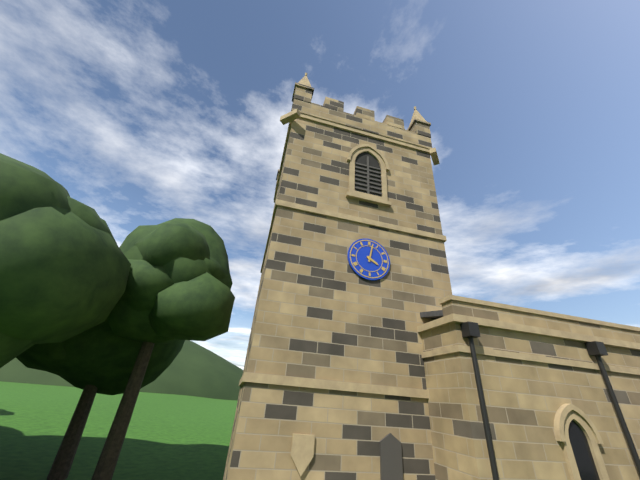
4:02
